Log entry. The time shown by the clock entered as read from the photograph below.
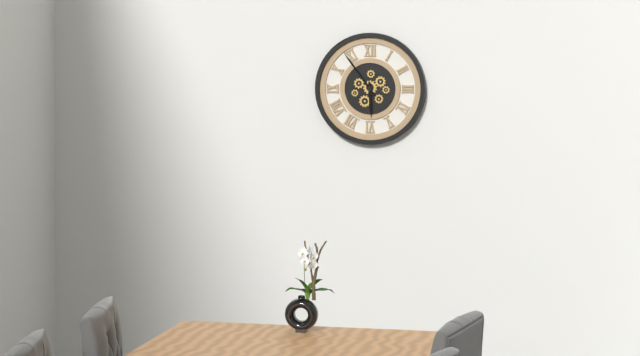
5:54
